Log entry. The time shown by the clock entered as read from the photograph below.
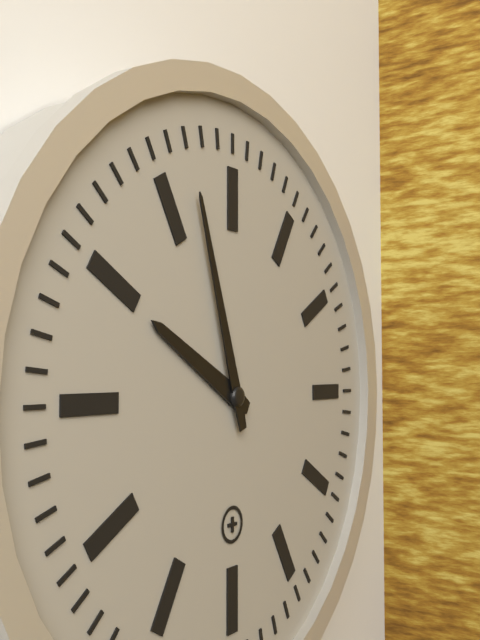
9:57
